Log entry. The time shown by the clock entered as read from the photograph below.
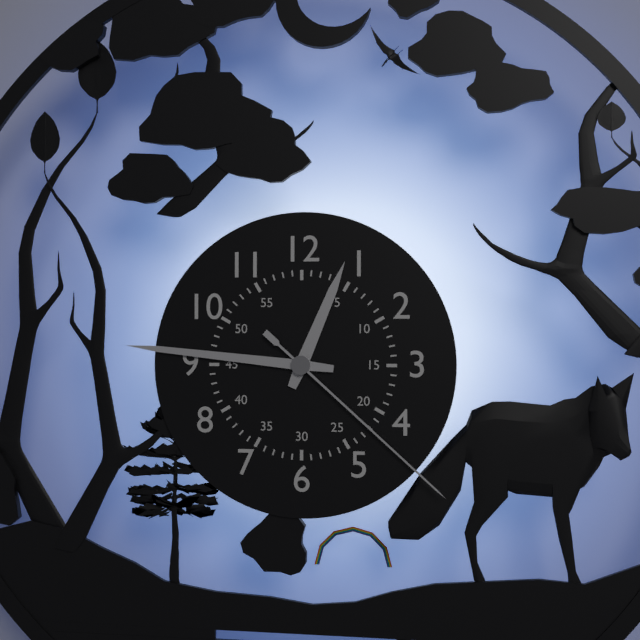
12:46:22
